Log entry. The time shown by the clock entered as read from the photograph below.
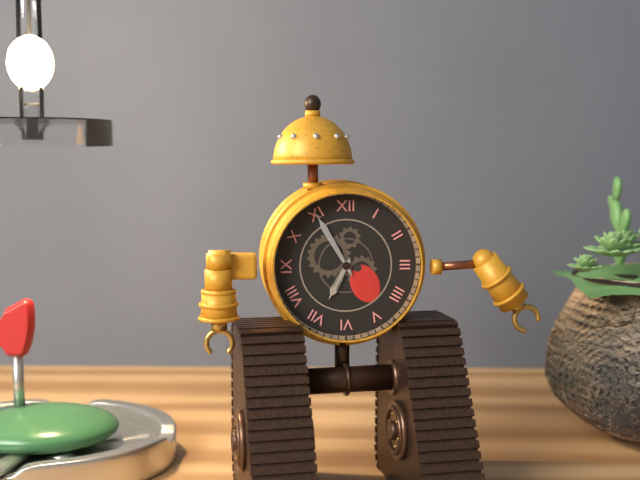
6:55
